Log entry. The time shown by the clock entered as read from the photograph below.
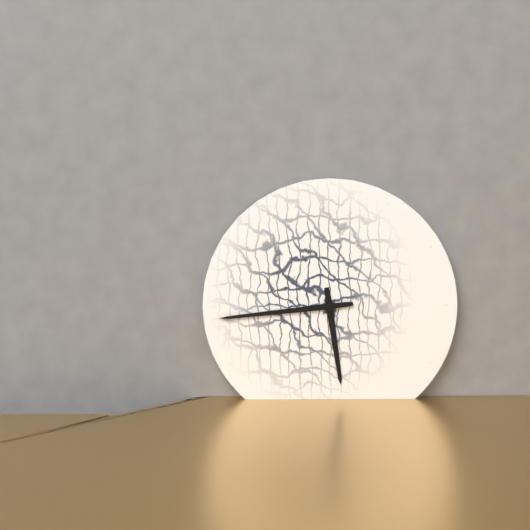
5:44
